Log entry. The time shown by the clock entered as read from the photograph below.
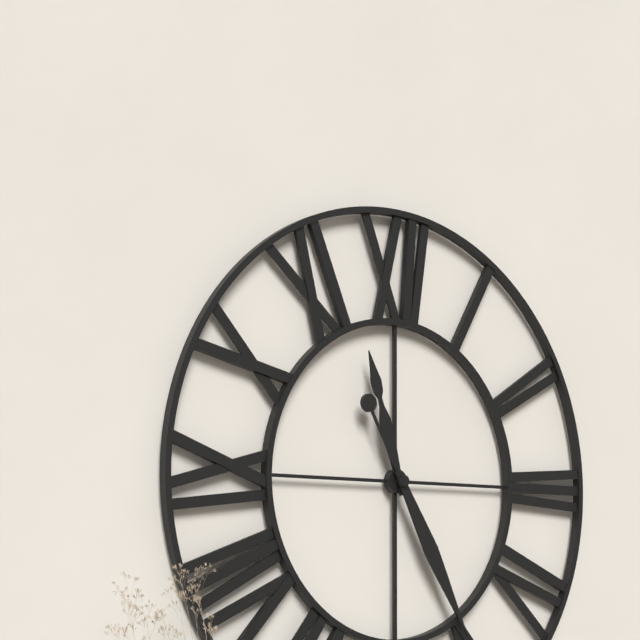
11:25
